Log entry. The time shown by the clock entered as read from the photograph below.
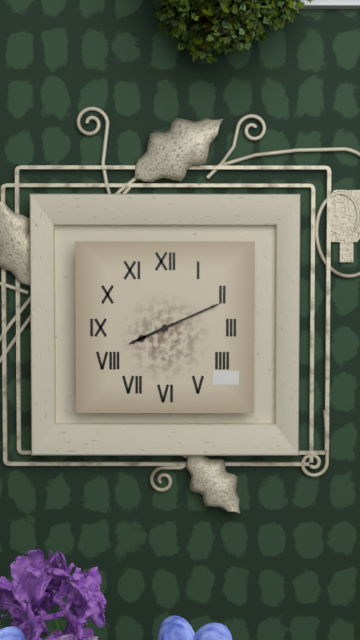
8:11
